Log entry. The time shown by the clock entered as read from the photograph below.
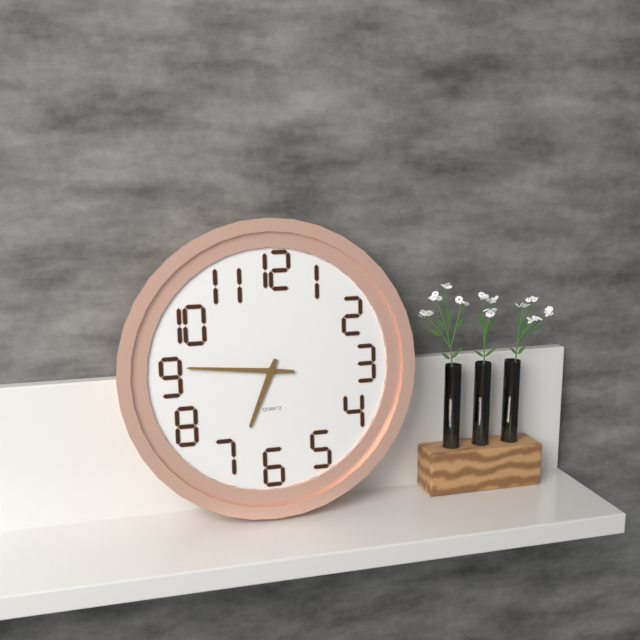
6:46
